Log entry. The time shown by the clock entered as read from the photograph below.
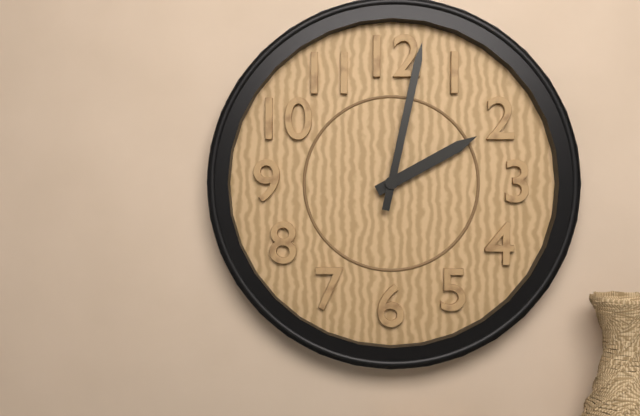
2:02
